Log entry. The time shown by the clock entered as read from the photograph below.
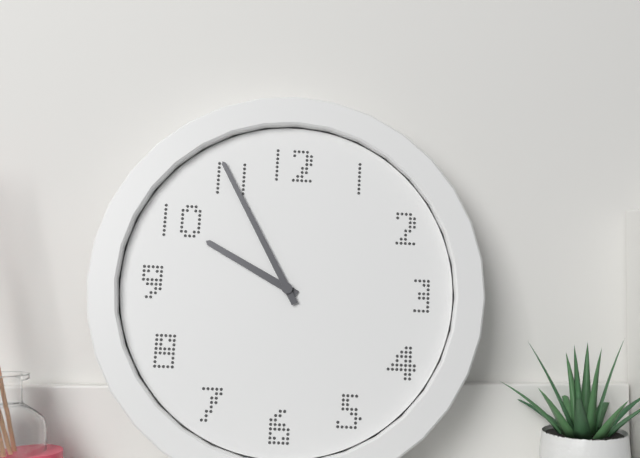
9:55
